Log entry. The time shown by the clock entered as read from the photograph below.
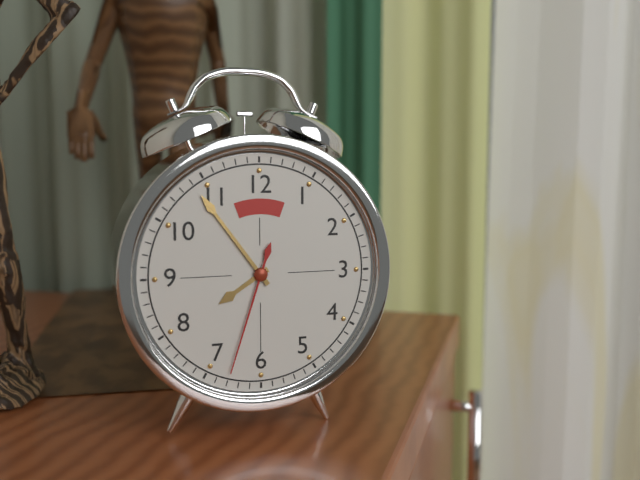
7:54:33
